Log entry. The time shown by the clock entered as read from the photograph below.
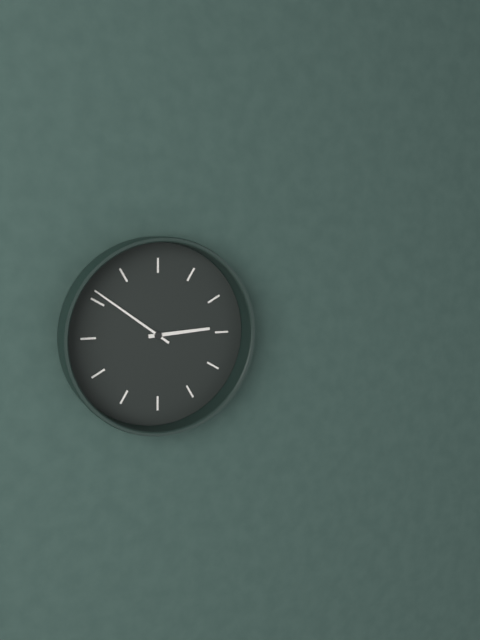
2:51
